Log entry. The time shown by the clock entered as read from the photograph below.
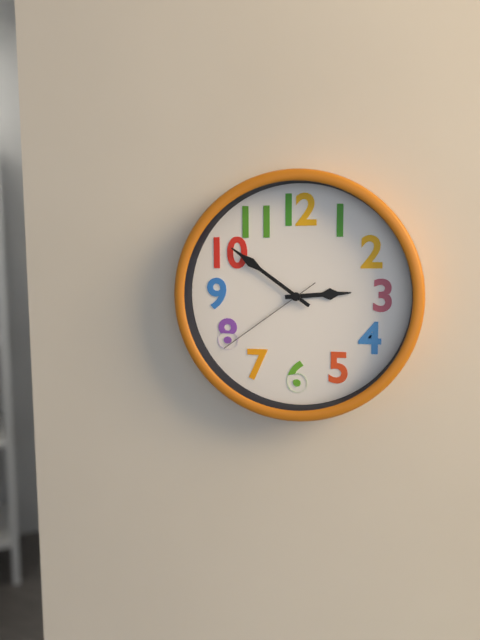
2:51:39
